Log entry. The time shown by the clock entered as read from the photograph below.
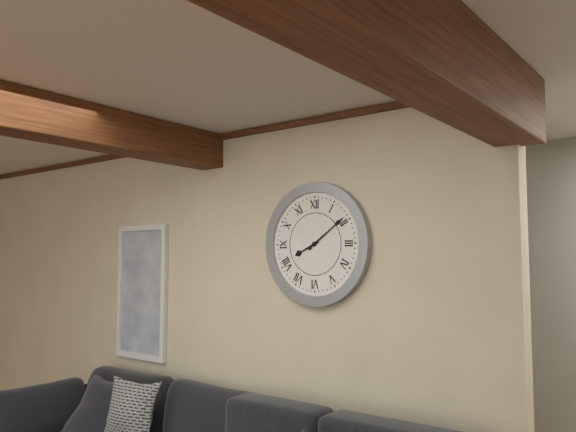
8:09
